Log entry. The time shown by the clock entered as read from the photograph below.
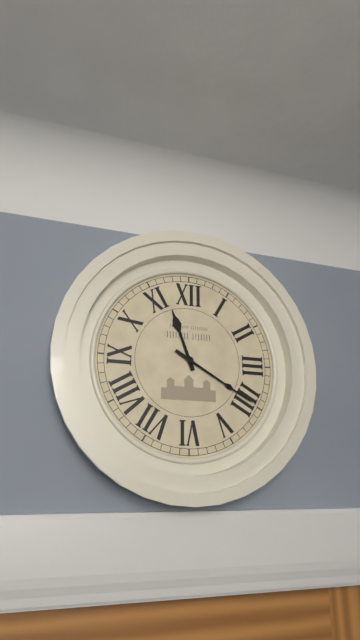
11:20
